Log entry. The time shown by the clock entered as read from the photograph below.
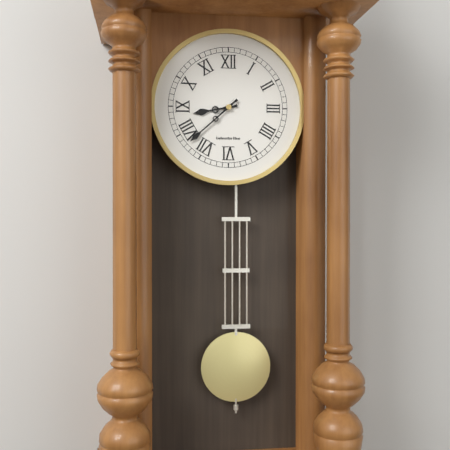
8:38
